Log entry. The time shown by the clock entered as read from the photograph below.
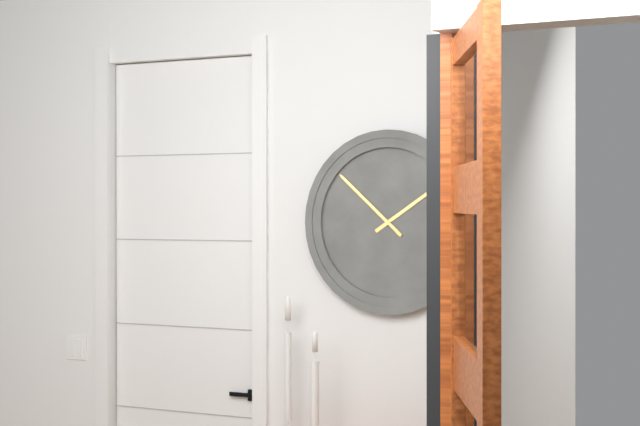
1:52
